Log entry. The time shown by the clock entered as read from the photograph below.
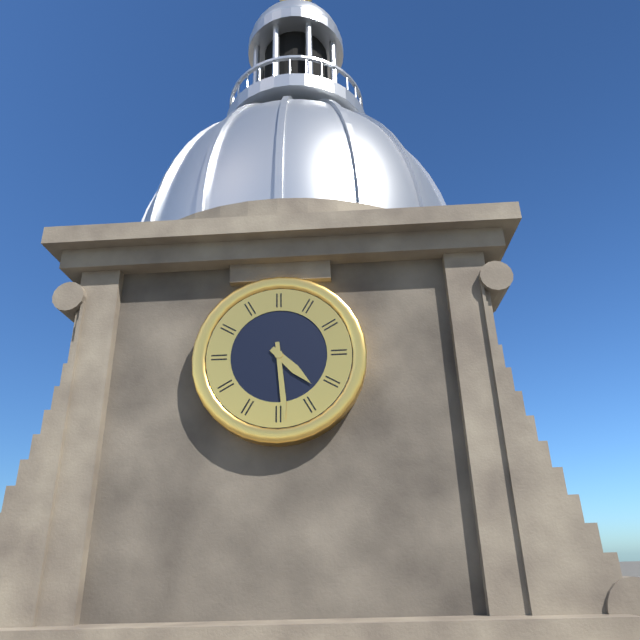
4:29
